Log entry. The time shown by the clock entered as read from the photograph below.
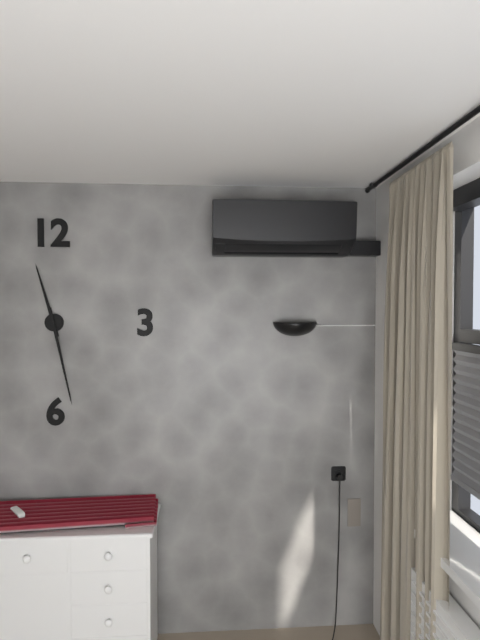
11:28
